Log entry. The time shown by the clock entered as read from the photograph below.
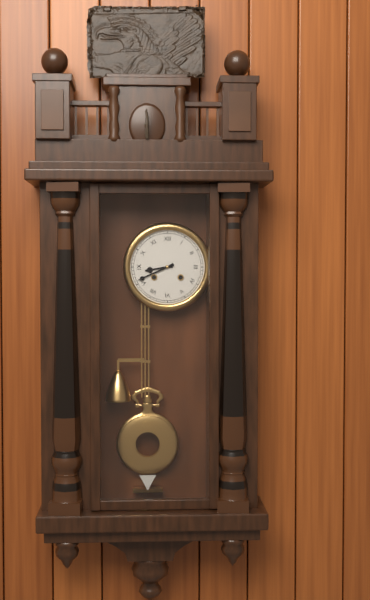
8:41
